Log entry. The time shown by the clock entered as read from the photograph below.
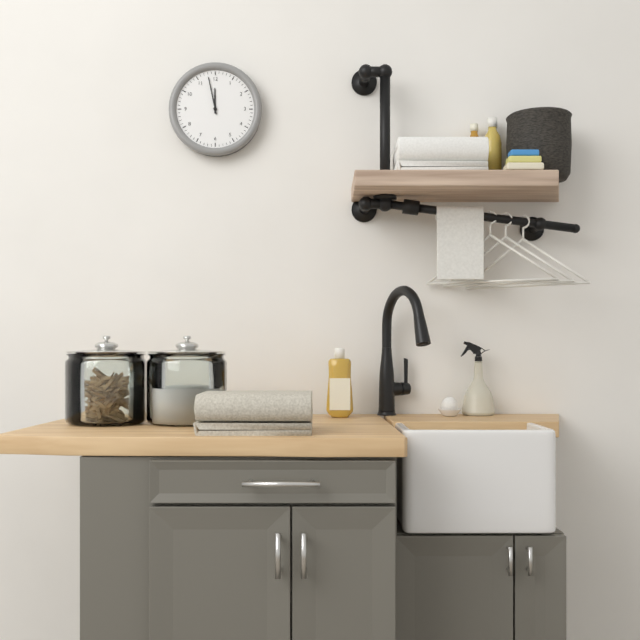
11:58
